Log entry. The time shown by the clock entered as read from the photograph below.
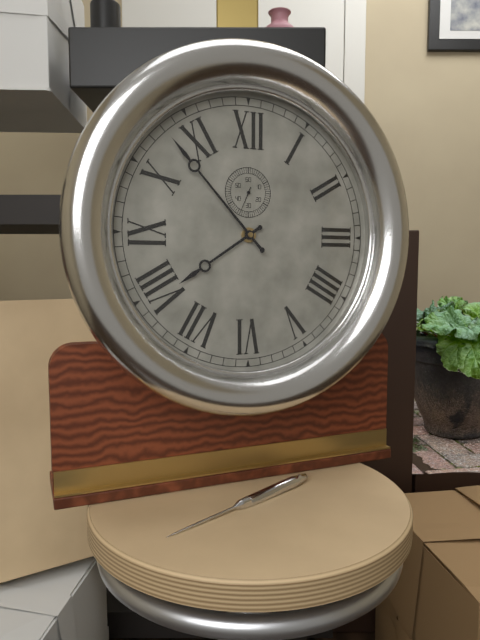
7:53
